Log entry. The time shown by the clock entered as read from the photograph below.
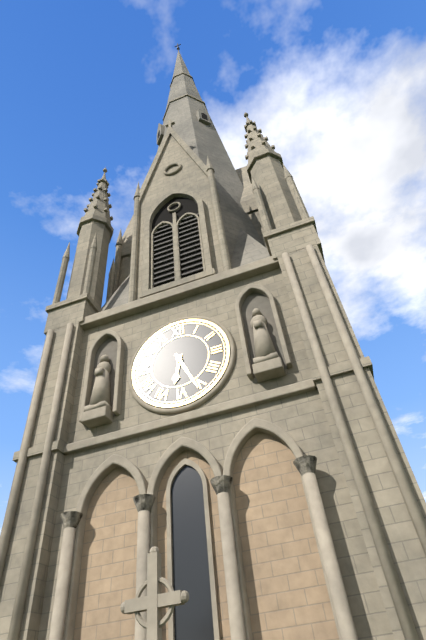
6:26
